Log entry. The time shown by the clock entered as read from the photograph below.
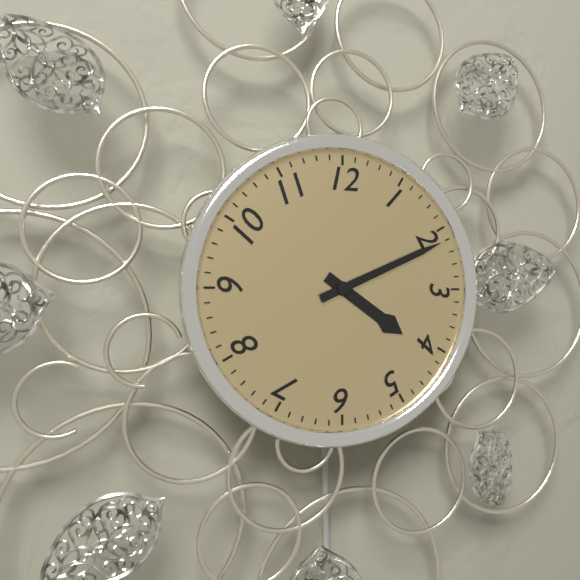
4:11
